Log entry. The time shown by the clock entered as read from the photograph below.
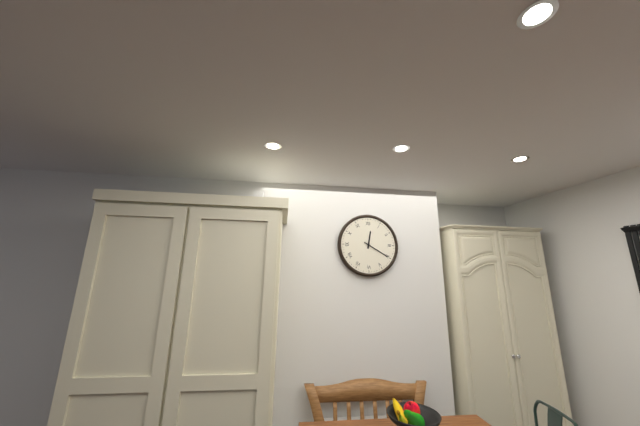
12:20
